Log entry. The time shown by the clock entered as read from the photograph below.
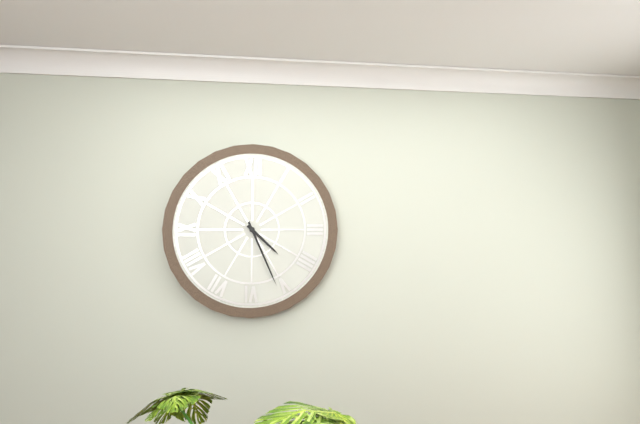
4:26
